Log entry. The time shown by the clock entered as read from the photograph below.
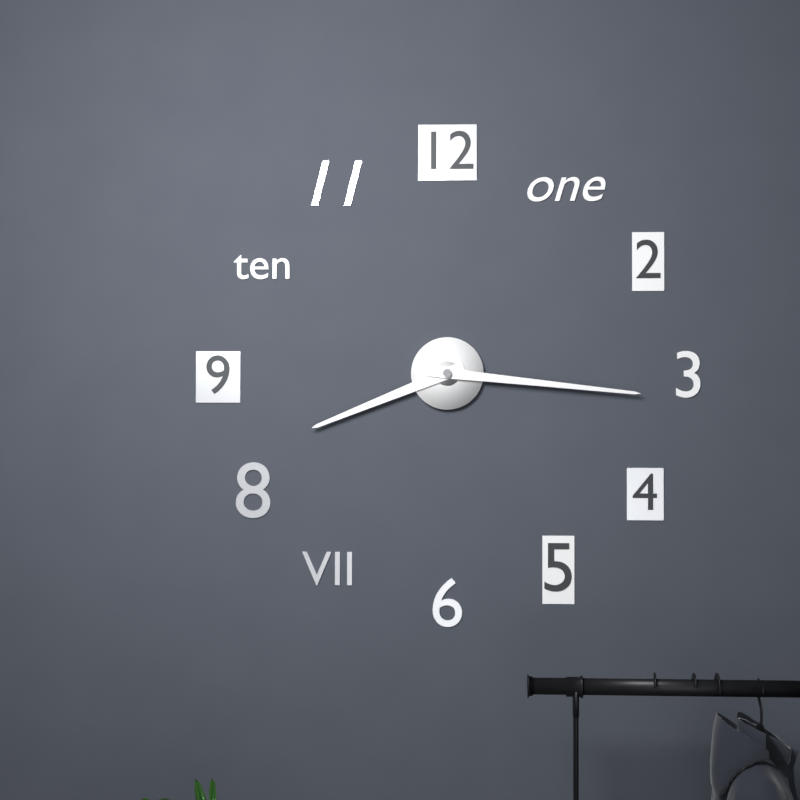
8:16
